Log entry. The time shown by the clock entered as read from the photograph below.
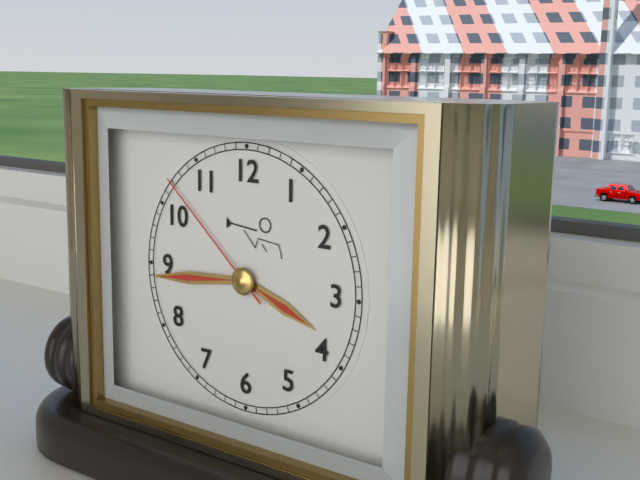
3:44:52
